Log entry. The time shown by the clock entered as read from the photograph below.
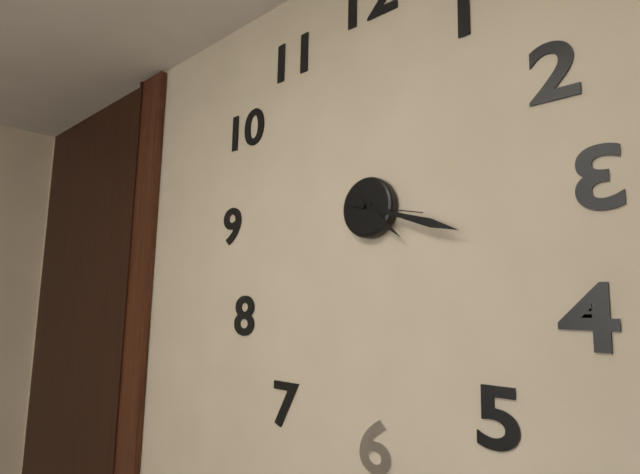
4:18:17
